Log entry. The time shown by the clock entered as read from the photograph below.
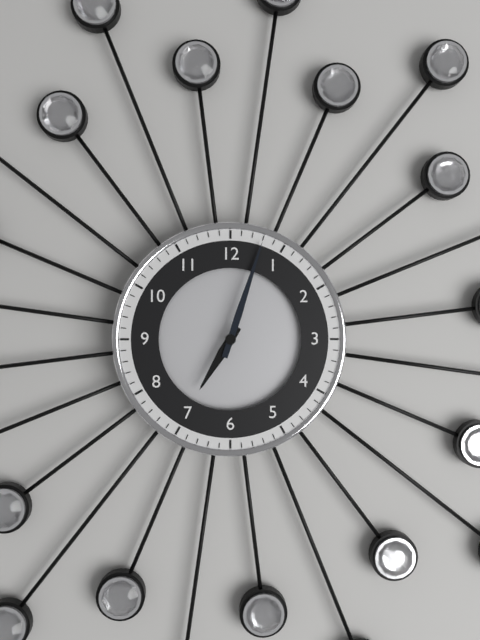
7:03
